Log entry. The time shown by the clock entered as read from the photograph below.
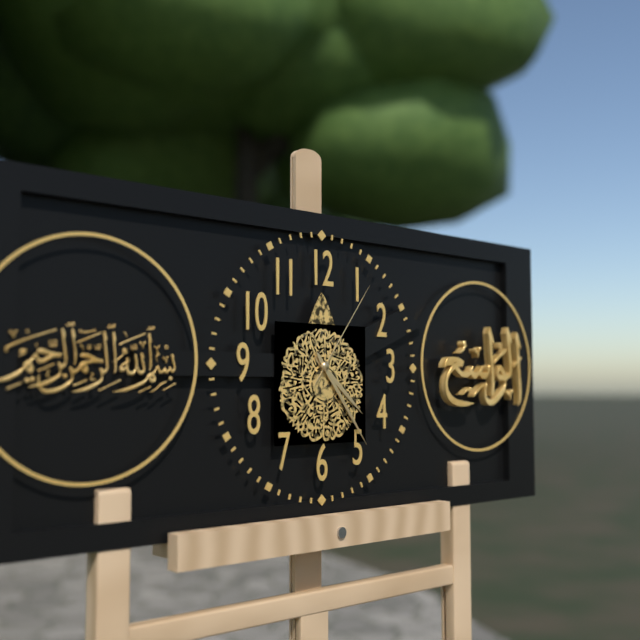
4:24:06
